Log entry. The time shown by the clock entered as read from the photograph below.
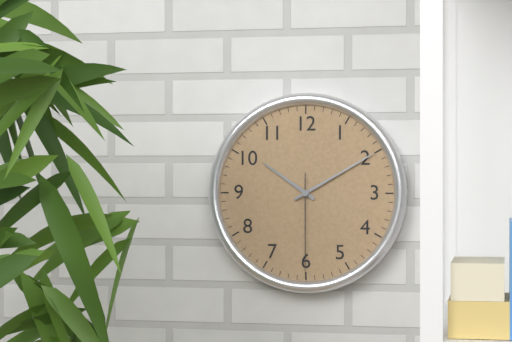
10:10:30
